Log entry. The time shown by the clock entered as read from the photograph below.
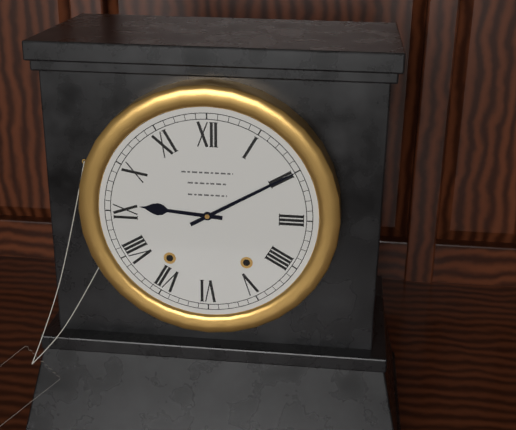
9:10
